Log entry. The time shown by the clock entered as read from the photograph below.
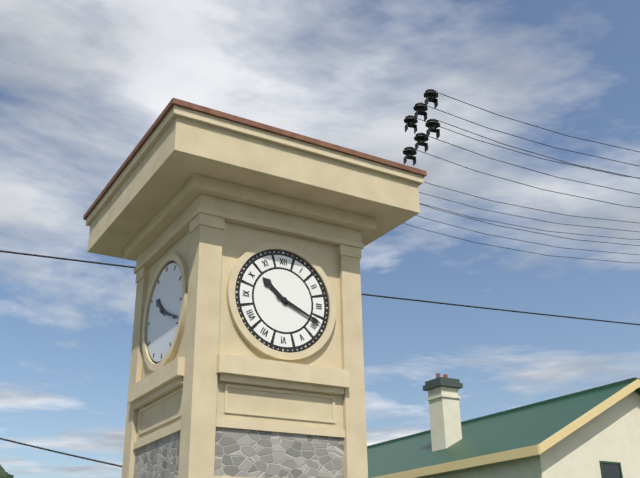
10:19
